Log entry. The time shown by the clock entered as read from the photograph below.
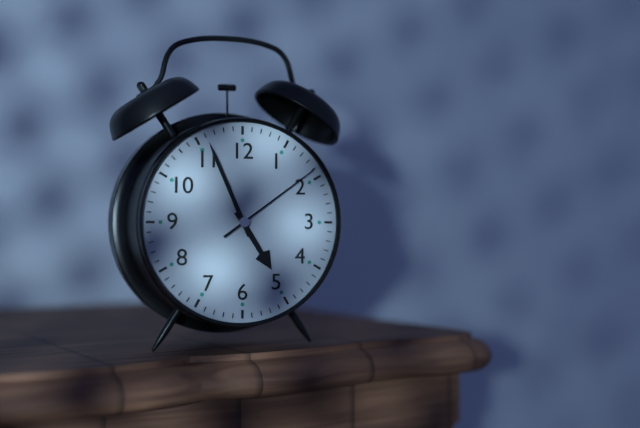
4:56:09
